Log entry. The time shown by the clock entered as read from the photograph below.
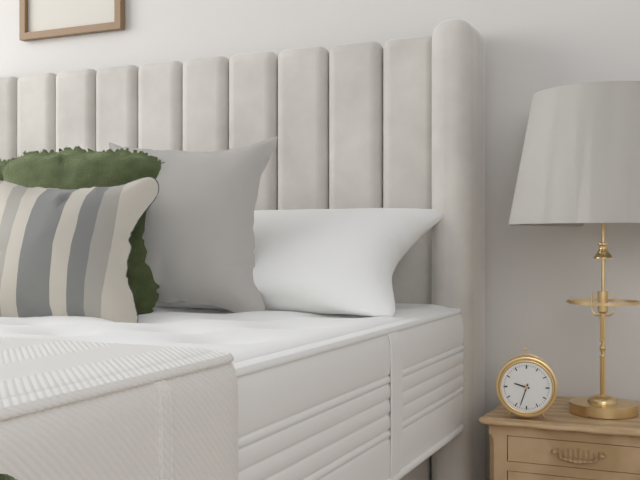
9:33
